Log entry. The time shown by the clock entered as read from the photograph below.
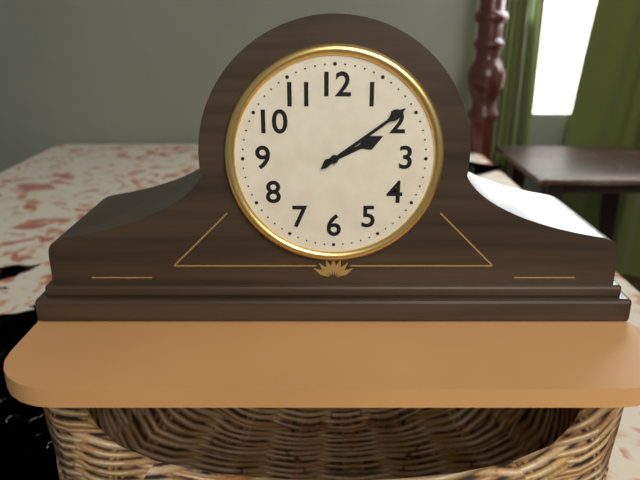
2:09
